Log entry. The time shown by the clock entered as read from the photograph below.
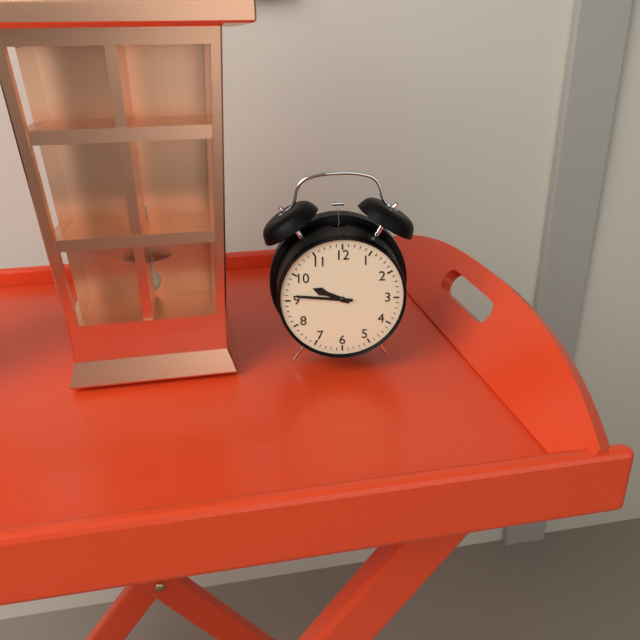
9:46
